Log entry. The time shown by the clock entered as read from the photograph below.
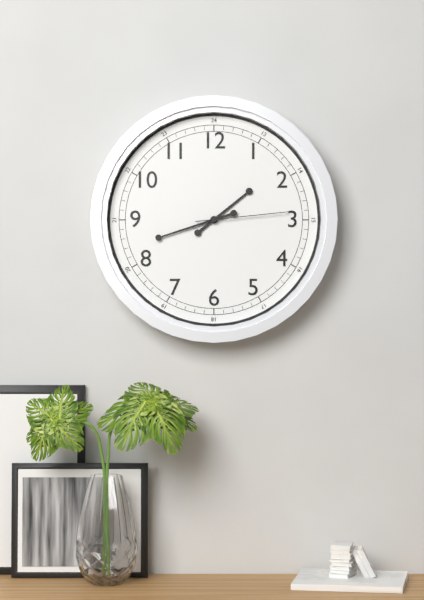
1:42:14
